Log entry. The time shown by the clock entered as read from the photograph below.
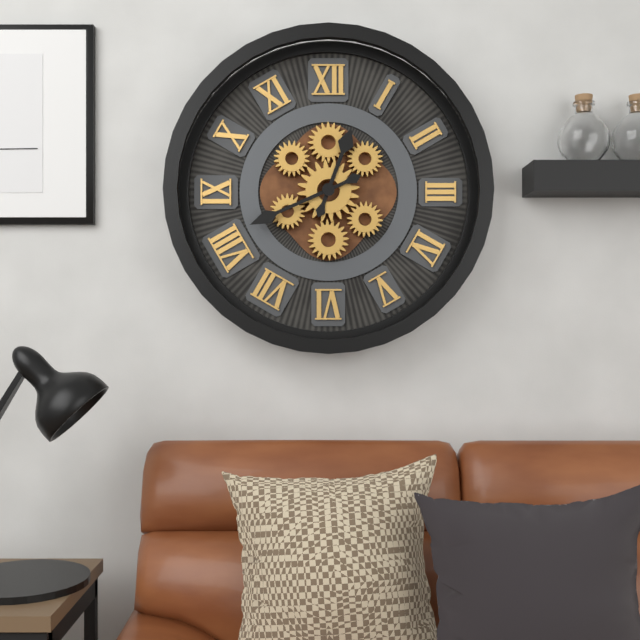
12:41
